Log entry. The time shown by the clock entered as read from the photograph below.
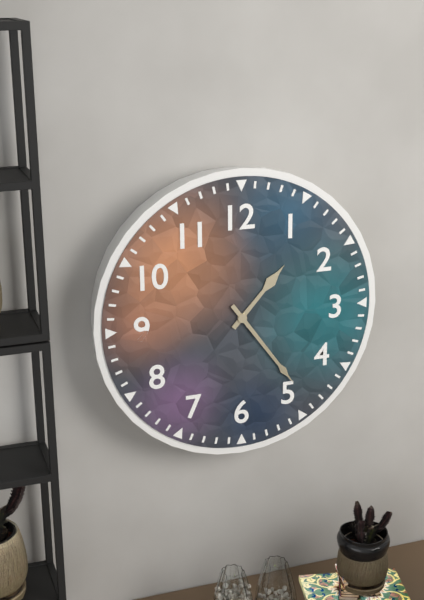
1:24
